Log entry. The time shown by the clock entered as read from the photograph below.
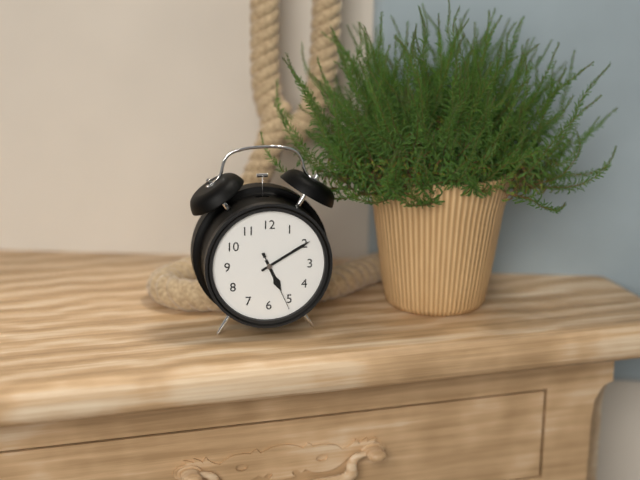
5:10:26
